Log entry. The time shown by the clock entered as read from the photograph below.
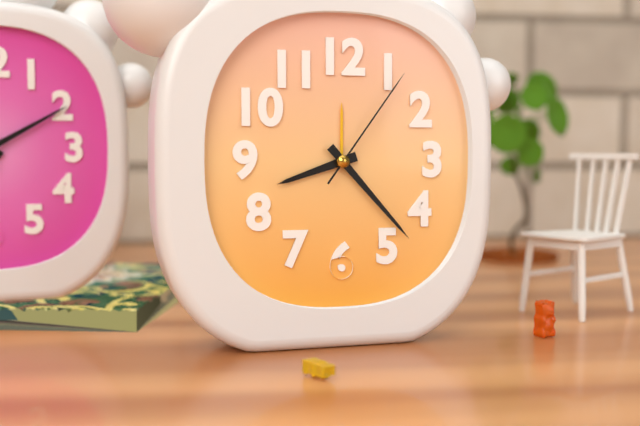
8:23:06
